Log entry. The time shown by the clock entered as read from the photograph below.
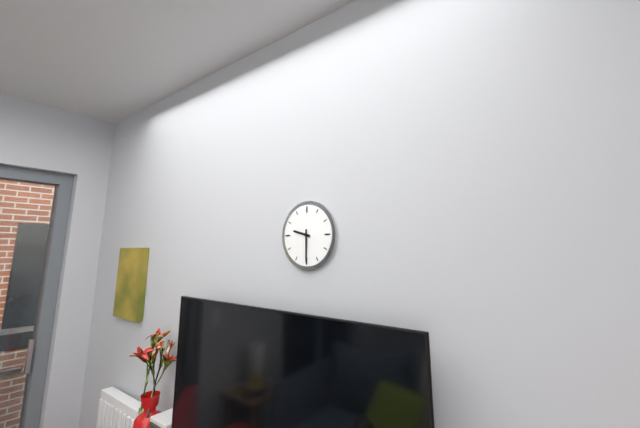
9:30
